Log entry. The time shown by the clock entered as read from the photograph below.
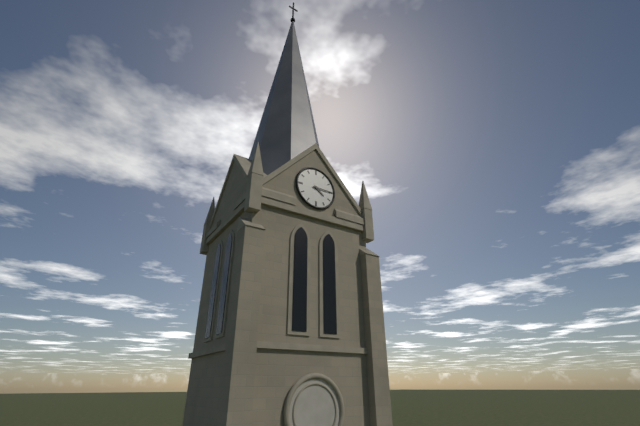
4:15
